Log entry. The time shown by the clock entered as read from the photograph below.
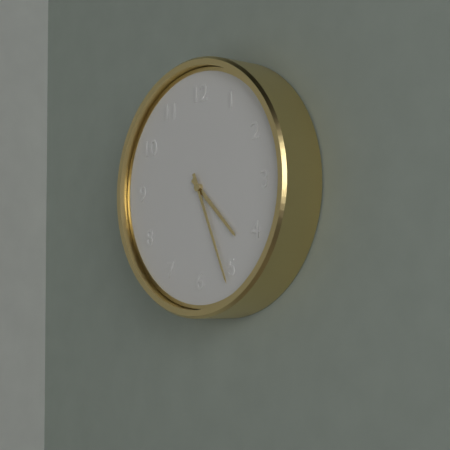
4:26
